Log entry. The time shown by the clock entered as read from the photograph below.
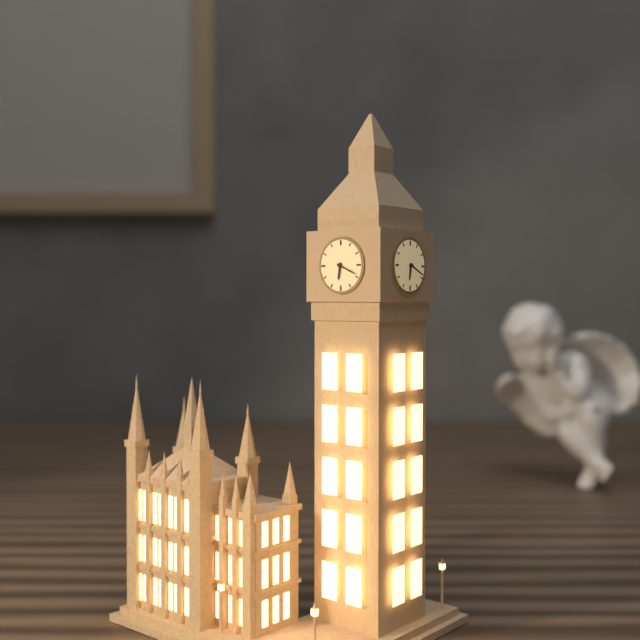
6:19
